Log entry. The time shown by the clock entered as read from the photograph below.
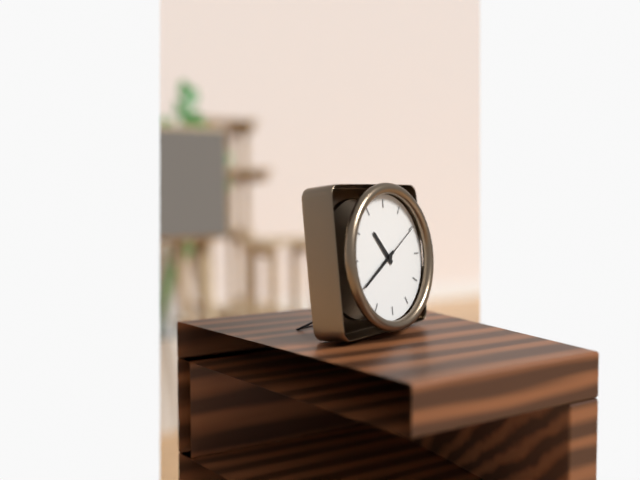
10:40
